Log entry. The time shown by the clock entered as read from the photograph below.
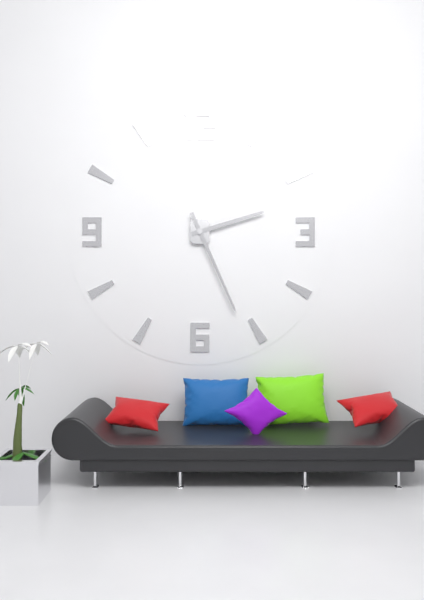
2:26
